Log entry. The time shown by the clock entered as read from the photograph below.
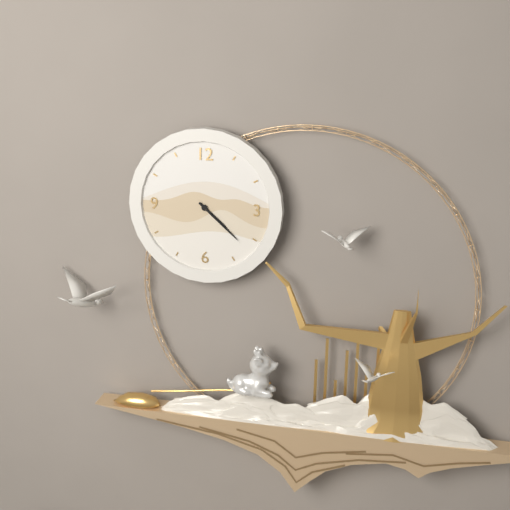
4:22
